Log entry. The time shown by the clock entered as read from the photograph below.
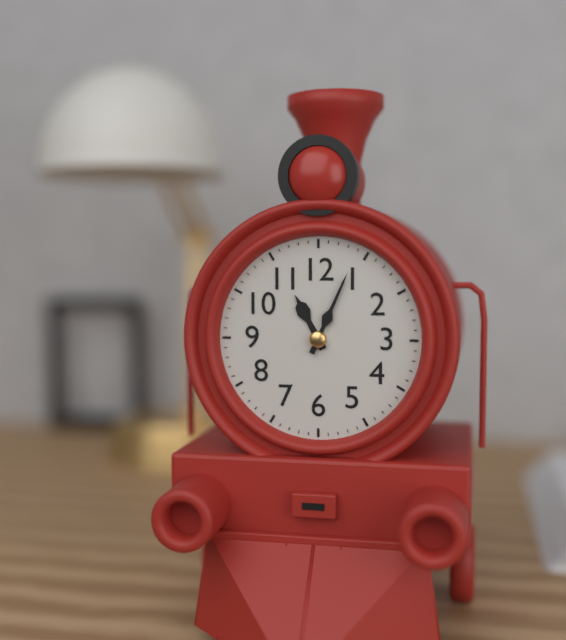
11:04
